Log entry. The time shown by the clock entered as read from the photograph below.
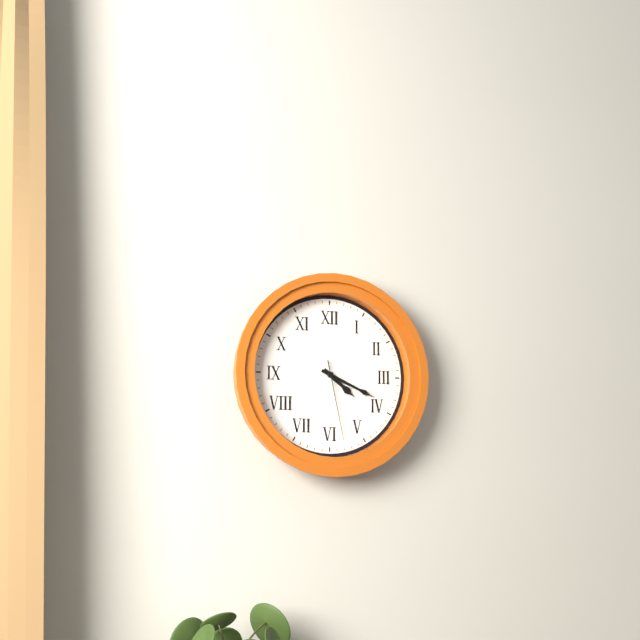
4:19:28
